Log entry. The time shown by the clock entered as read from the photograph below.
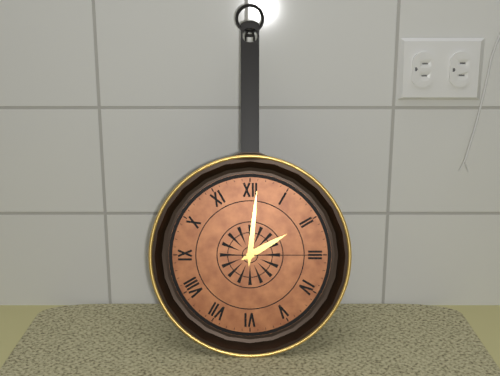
2:01:15
